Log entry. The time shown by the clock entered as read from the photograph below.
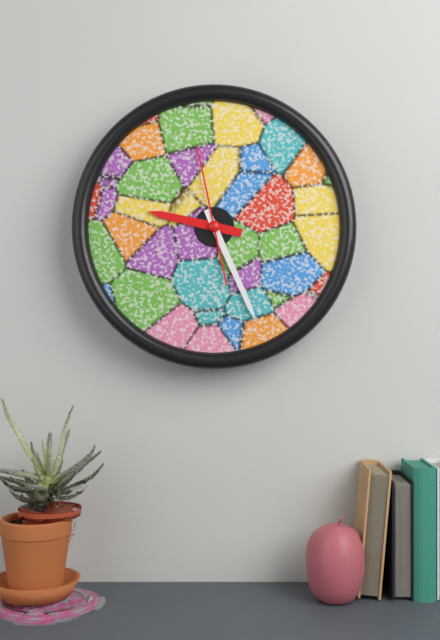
9:26:58
